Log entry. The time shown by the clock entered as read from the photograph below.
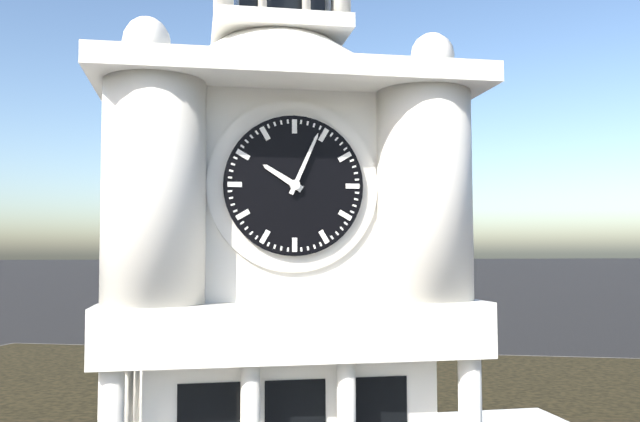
10:04
